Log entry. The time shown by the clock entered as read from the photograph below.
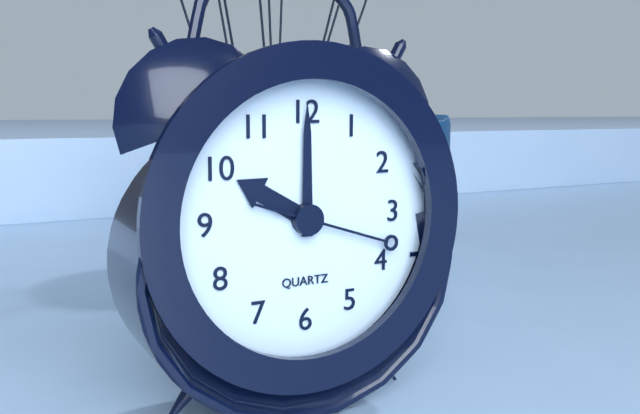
10:00:18
